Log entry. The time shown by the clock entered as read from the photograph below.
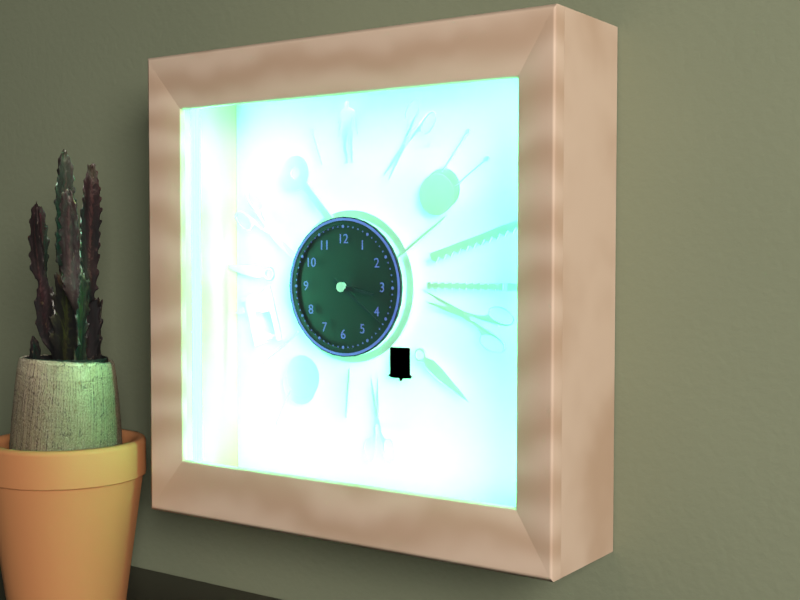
3:21
